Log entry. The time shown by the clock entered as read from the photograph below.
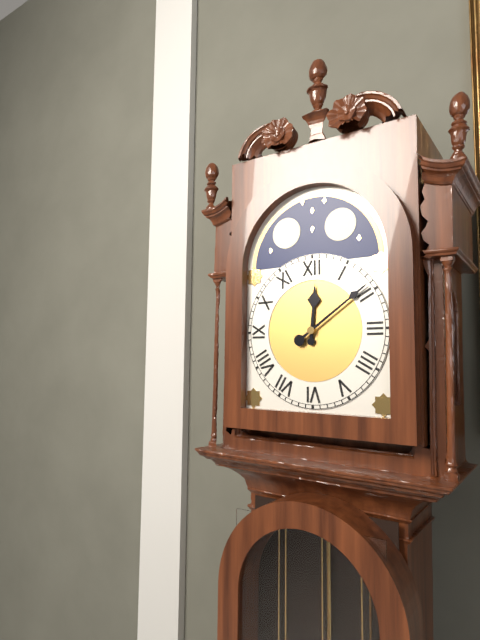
12:09
